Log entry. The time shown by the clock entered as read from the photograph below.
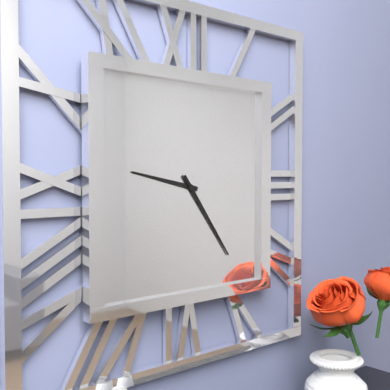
9:24
